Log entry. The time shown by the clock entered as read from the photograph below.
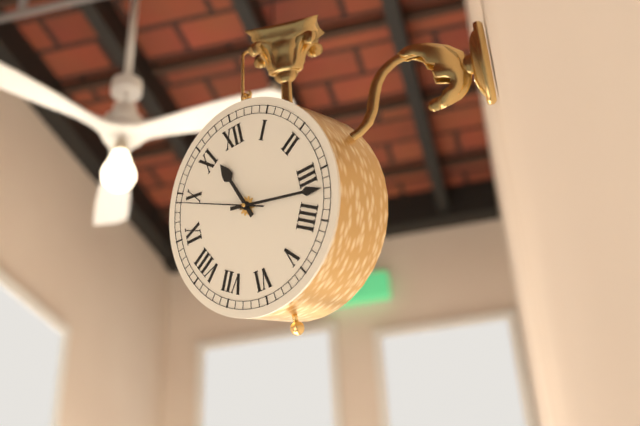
11:17:49
